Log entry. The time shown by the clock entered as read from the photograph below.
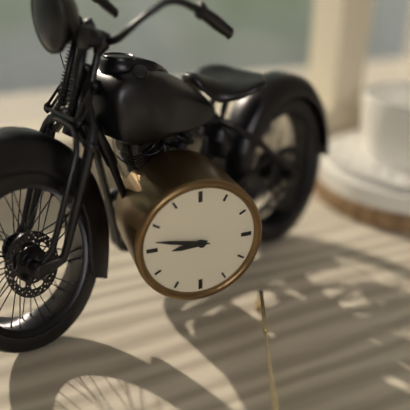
8:47
